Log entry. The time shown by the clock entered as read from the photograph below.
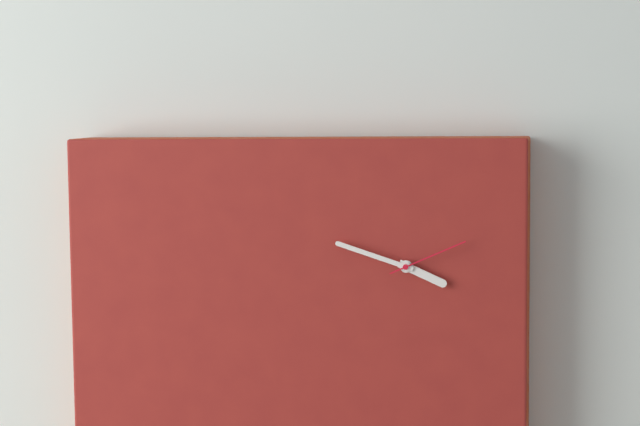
3:48:11
